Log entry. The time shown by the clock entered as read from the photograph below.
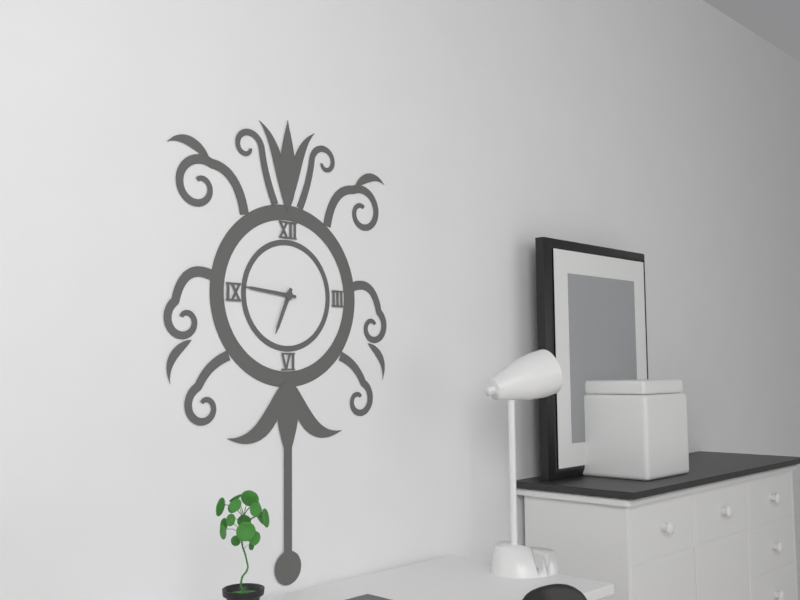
6:46
